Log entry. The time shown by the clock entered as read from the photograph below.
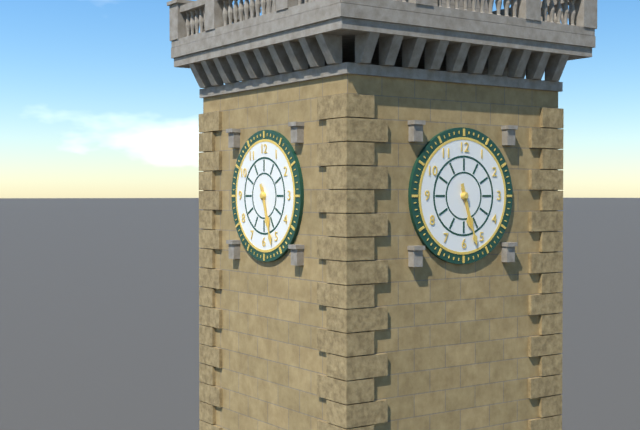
5:27
